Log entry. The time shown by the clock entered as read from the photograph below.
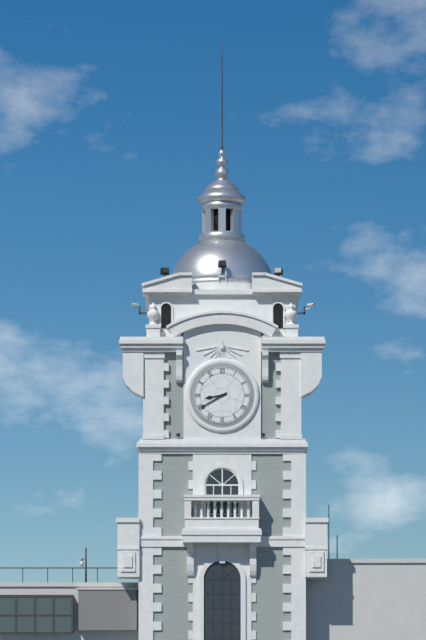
8:40
